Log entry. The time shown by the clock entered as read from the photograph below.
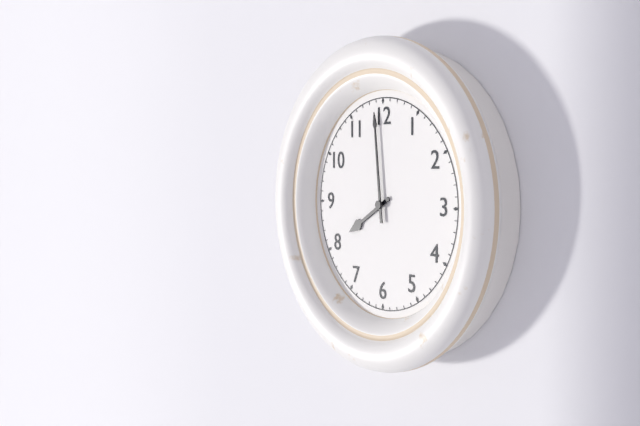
7:59
